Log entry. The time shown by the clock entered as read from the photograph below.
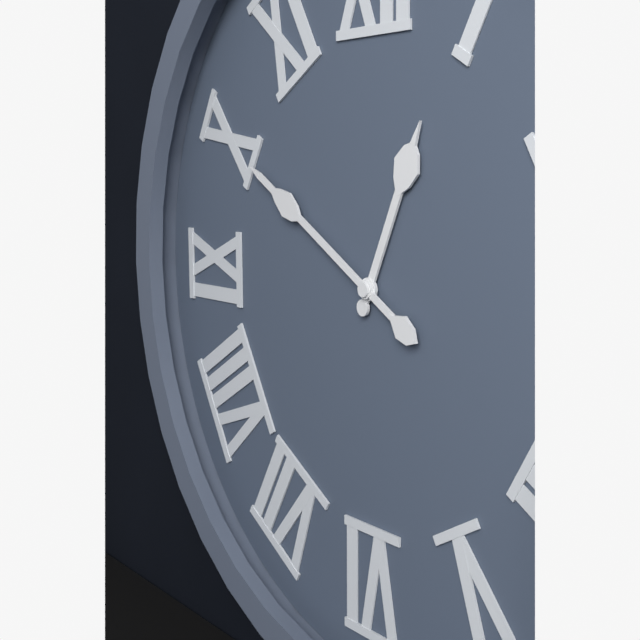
12:50
